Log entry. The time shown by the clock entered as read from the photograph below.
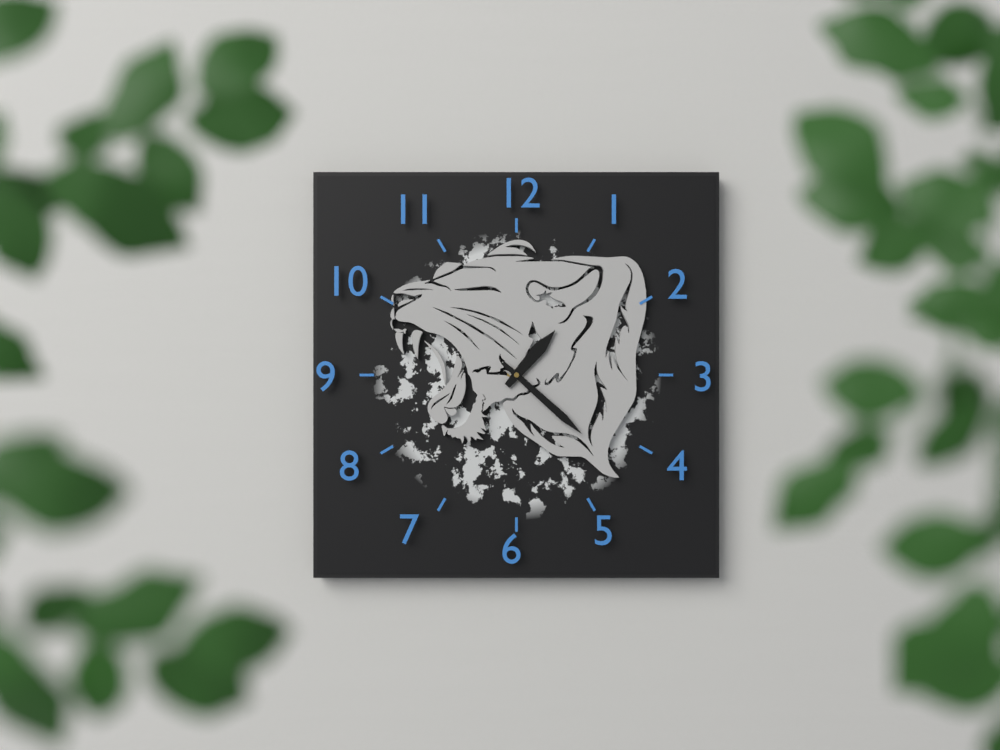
1:22
